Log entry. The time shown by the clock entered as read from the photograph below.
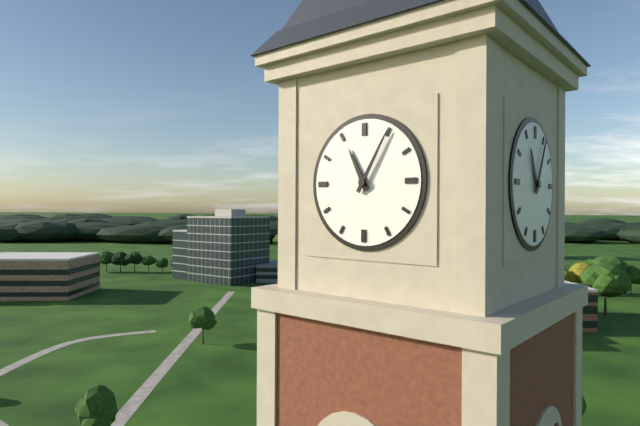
11:05
